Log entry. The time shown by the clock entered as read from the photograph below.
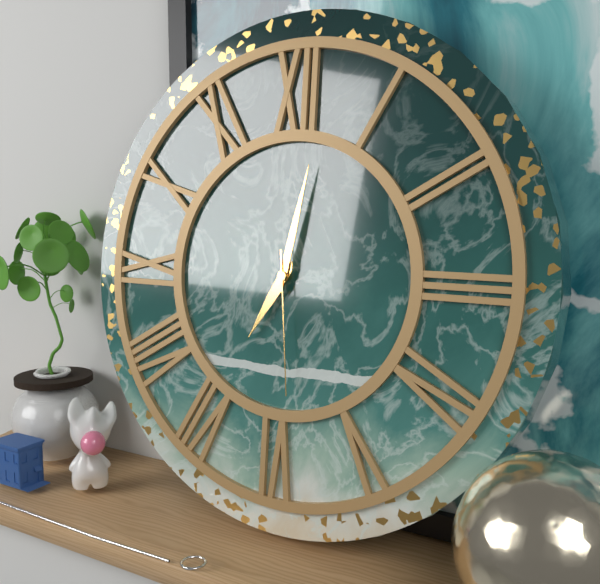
7:02:29
